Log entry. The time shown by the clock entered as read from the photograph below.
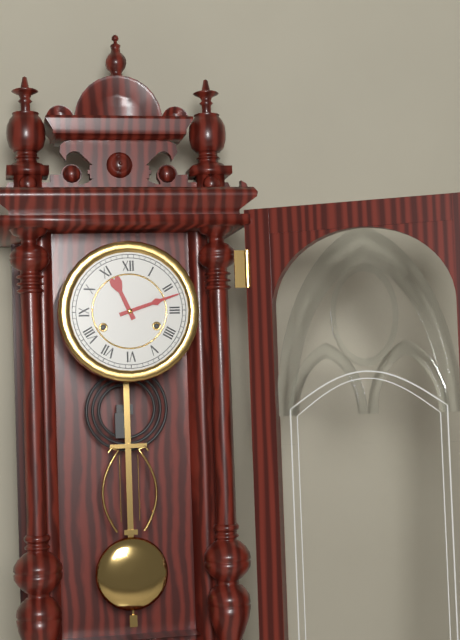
11:12
